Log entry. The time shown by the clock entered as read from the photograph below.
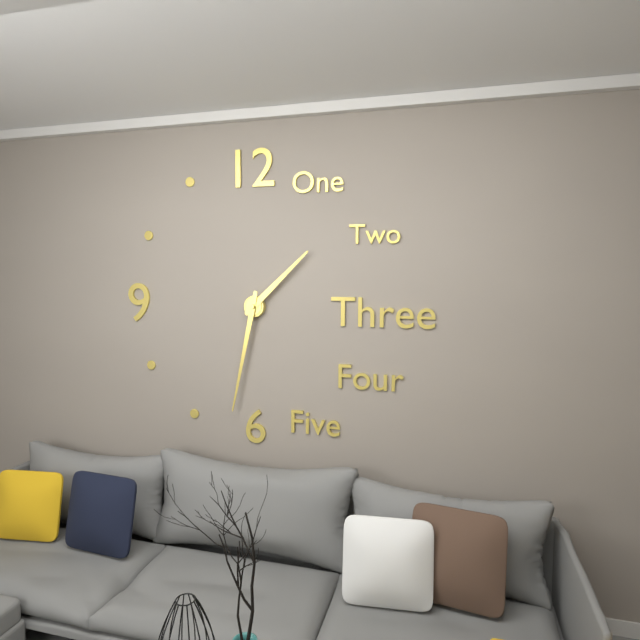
1:32
